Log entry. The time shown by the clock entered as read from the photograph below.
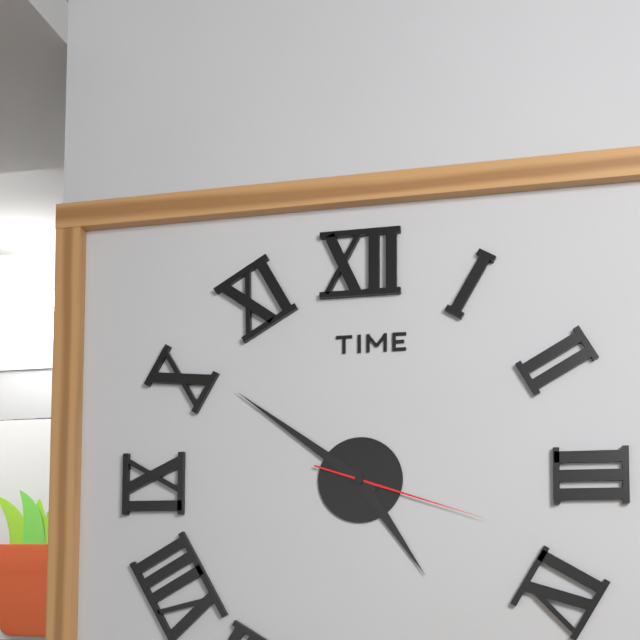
4:51:18
